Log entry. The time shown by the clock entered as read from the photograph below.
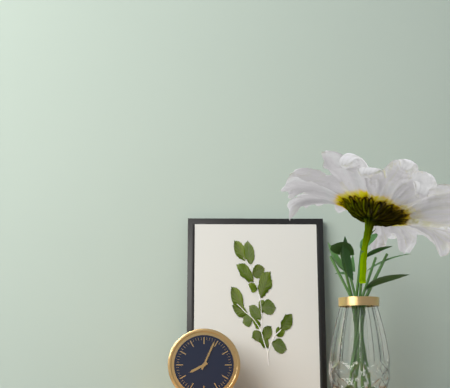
8:04
